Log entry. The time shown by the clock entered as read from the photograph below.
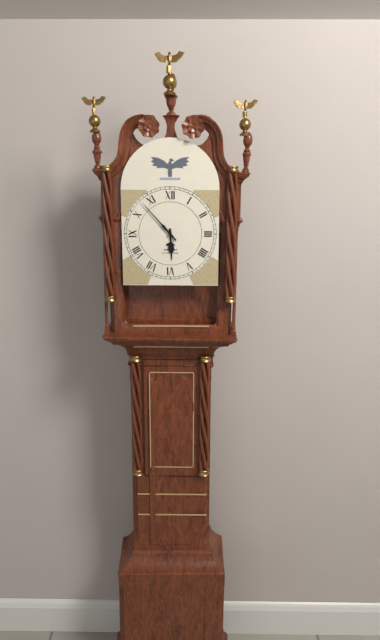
5:53
